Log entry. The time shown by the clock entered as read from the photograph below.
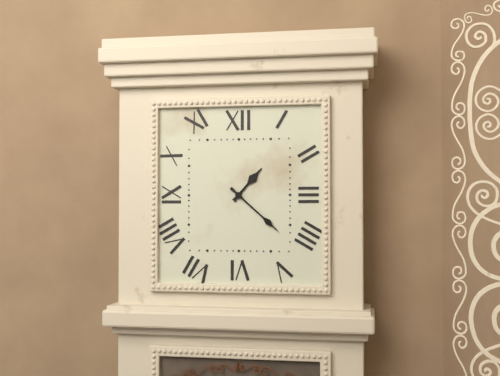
1:22
